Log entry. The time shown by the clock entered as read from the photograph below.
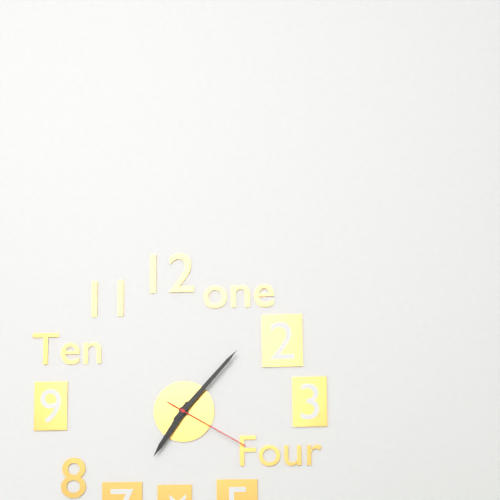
7:07:20
